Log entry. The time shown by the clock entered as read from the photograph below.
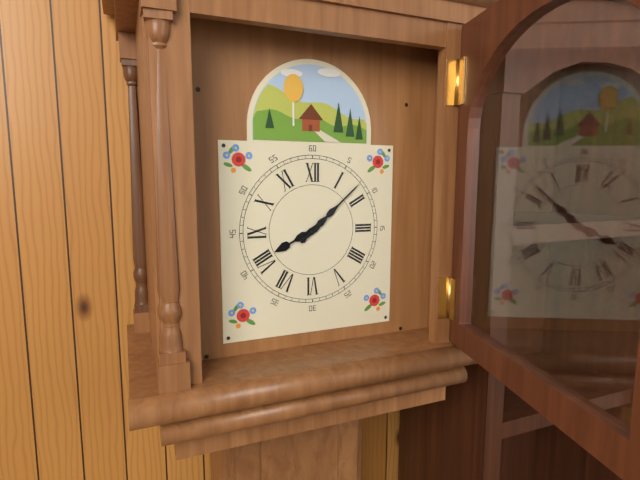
8:08
